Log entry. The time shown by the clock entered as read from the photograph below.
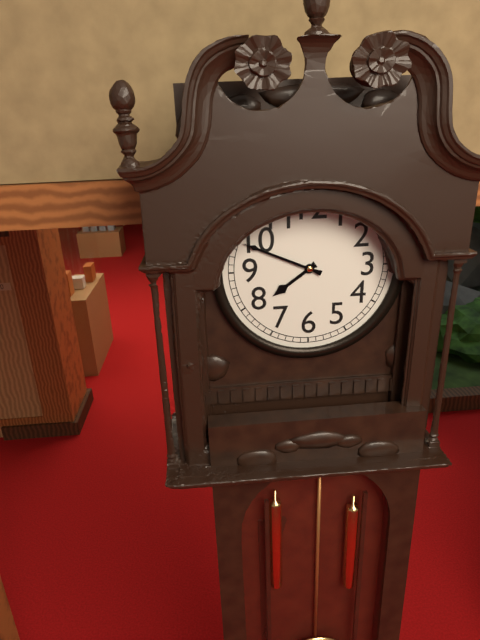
7:49
